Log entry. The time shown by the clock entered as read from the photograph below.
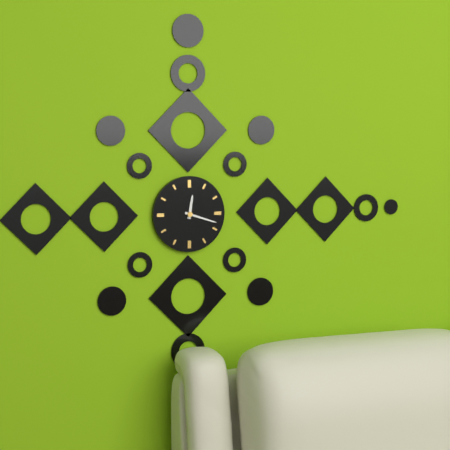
12:18
